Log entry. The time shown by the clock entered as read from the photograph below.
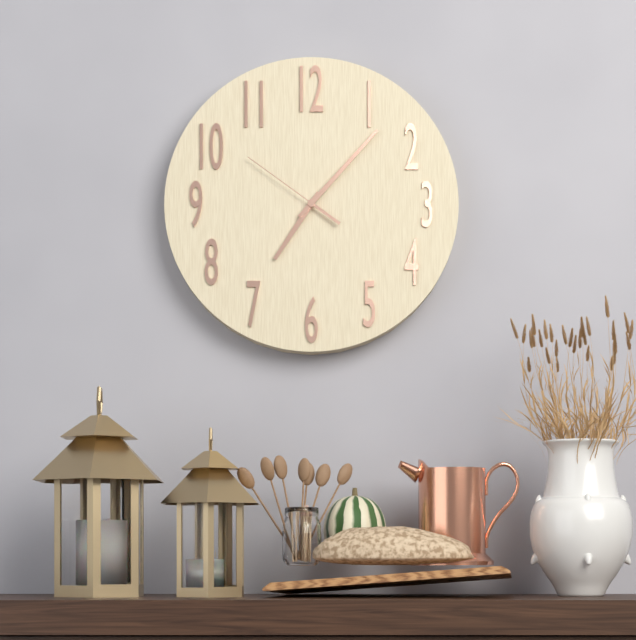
7:07:51
